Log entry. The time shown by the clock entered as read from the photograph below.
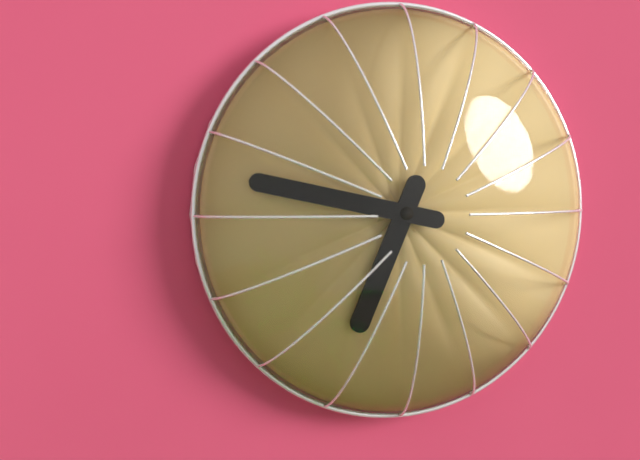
6:47
